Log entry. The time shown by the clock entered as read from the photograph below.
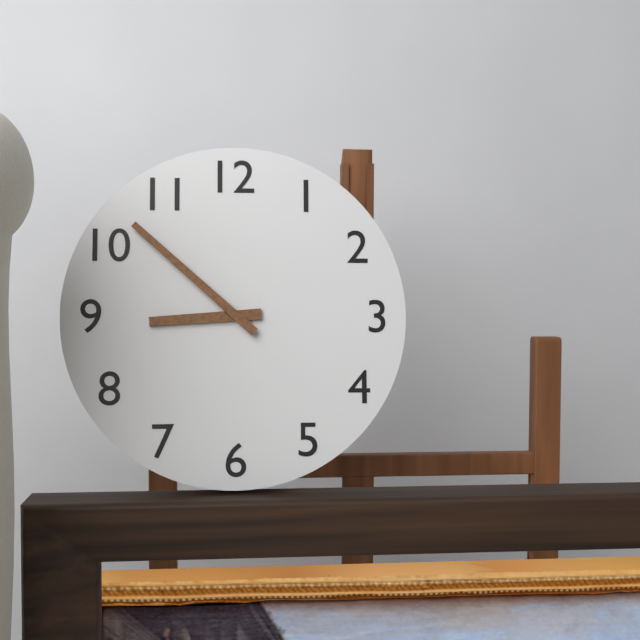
8:52
